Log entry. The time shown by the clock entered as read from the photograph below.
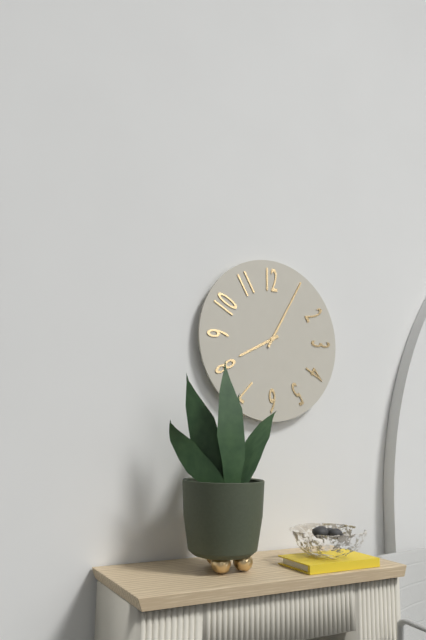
8:05
